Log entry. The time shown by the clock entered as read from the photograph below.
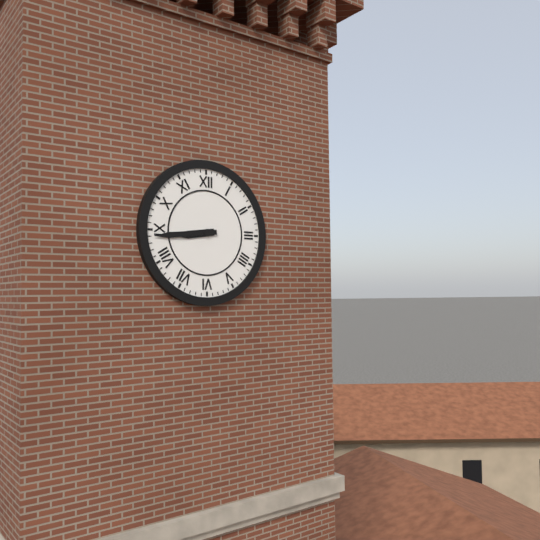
8:44
